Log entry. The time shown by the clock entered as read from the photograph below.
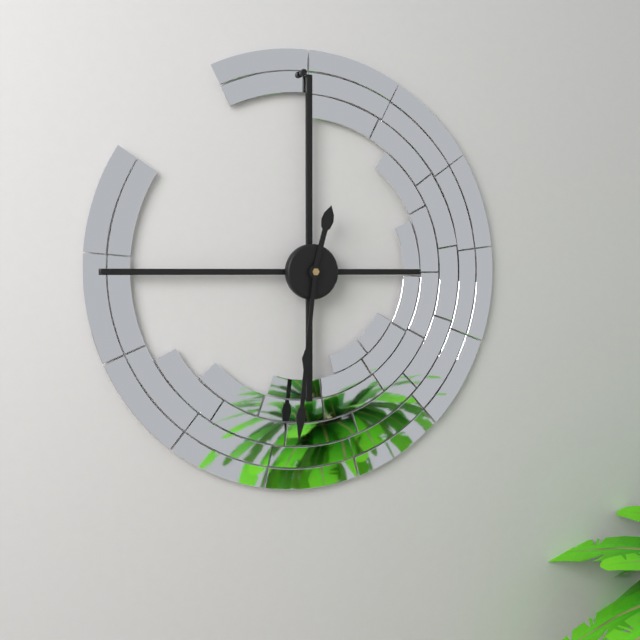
12:31
